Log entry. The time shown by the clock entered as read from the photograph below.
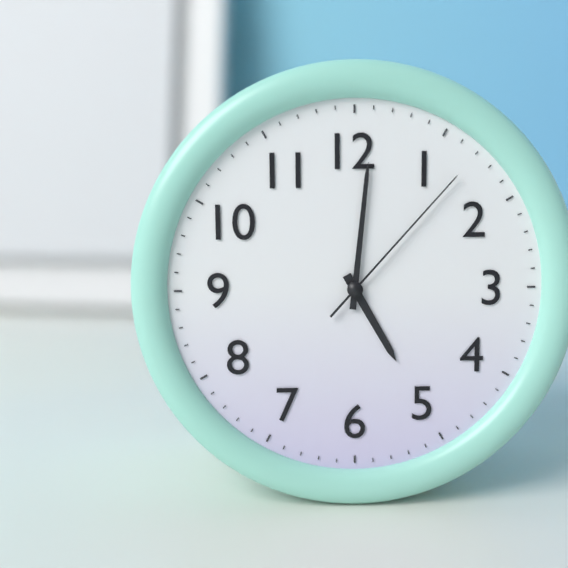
5:01:07
